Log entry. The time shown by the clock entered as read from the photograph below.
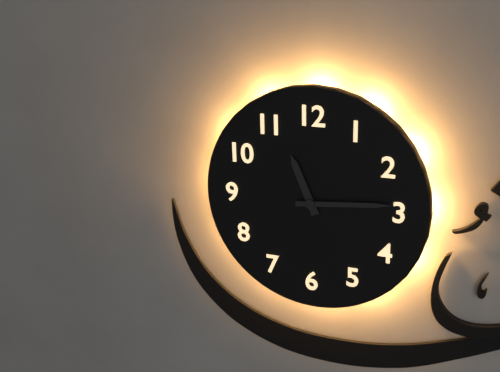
11:14
